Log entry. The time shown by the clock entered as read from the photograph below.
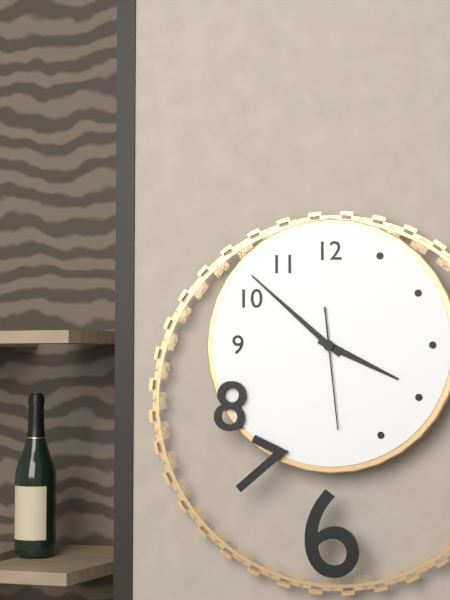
3:52:29
